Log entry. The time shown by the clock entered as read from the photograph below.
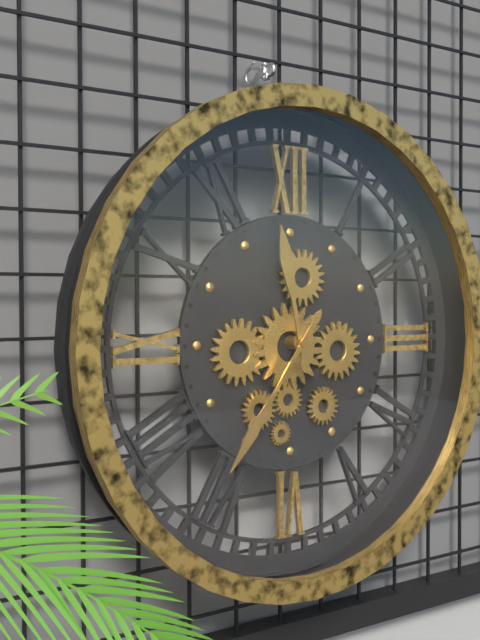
11:36
